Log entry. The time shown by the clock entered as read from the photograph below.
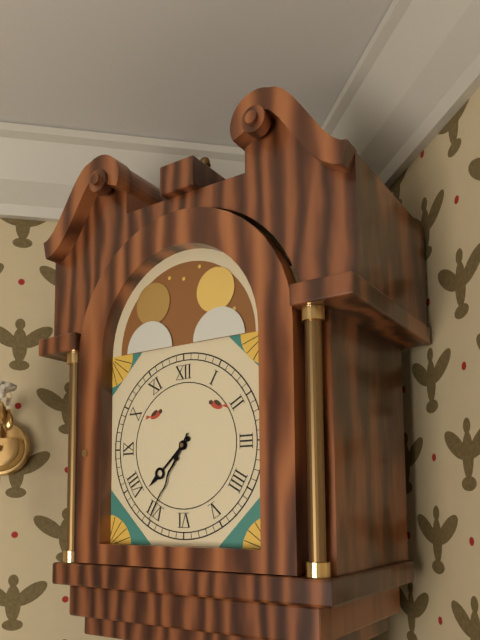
7:35
